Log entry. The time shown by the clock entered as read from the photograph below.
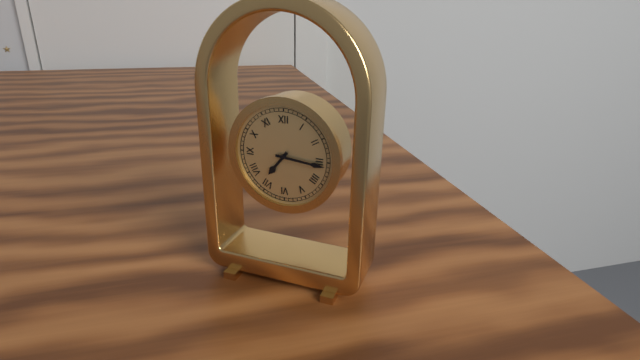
7:16
